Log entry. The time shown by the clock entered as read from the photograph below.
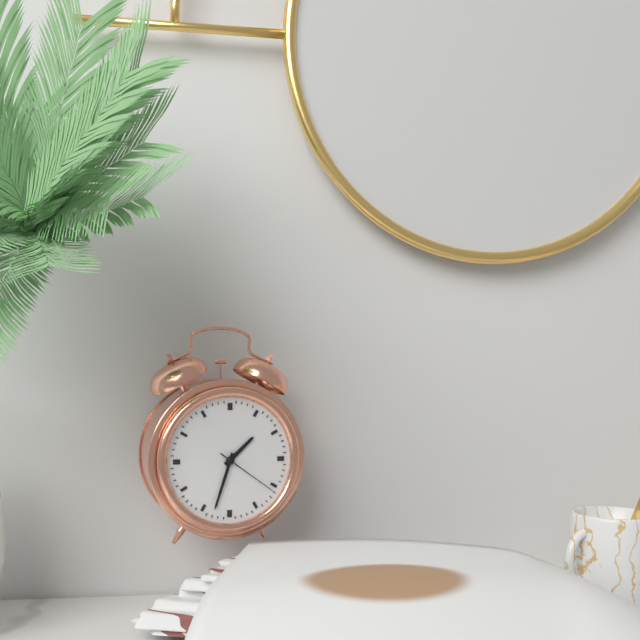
1:33:21
